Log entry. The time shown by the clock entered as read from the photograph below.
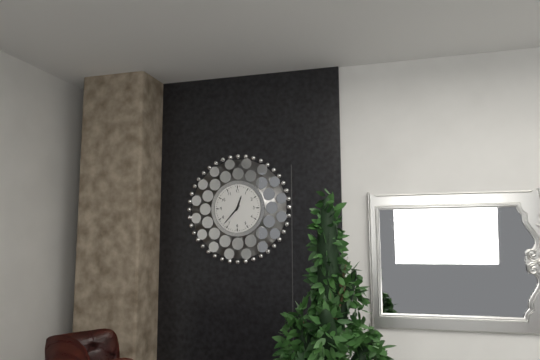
12:37
